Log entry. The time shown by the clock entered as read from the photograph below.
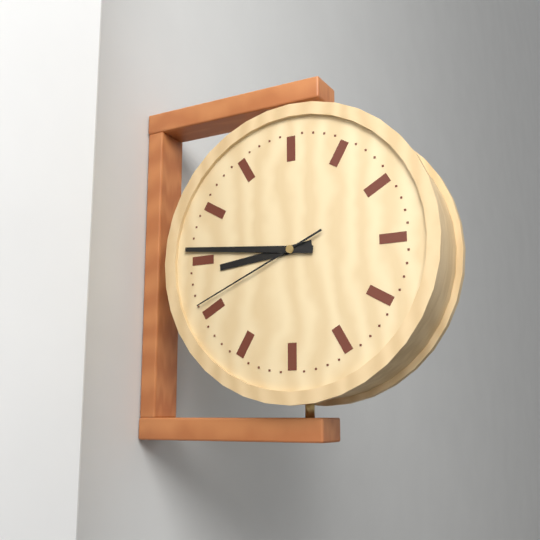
8:46:41
